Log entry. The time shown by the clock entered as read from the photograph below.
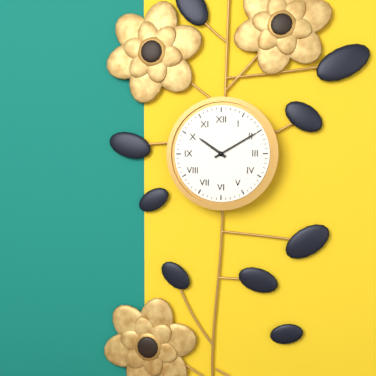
10:10
